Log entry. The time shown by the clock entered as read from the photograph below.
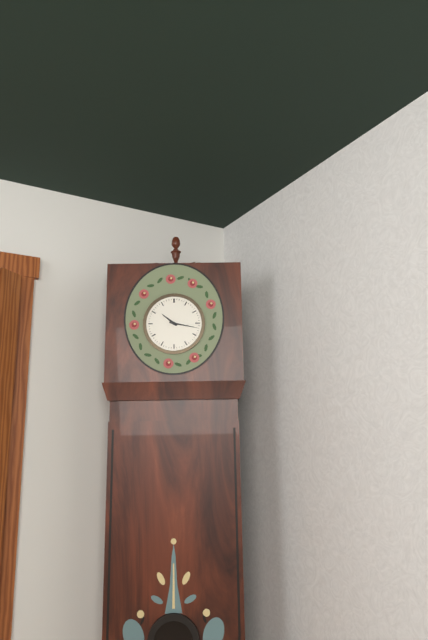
10:17
